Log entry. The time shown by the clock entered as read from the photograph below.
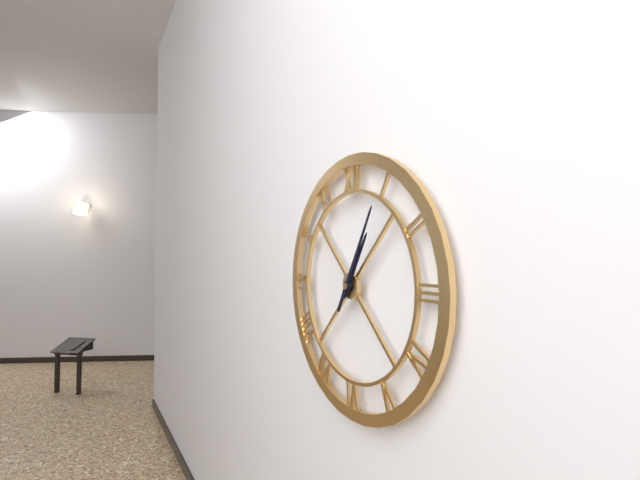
1:05
